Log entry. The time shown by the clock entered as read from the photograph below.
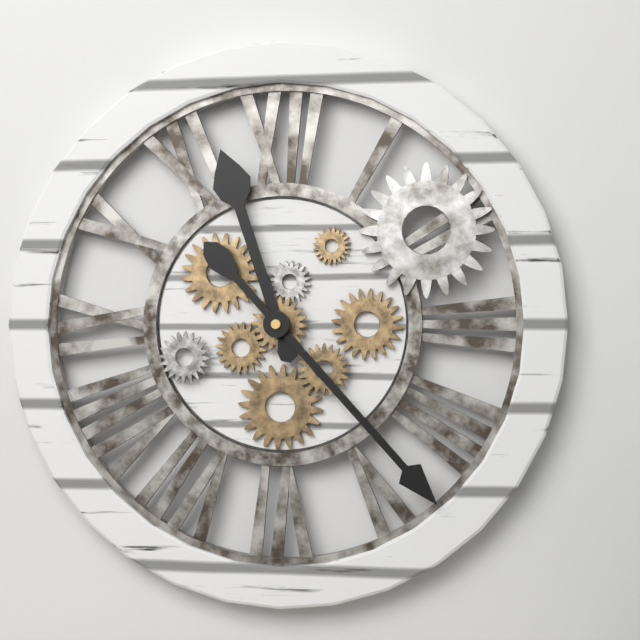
11:23
